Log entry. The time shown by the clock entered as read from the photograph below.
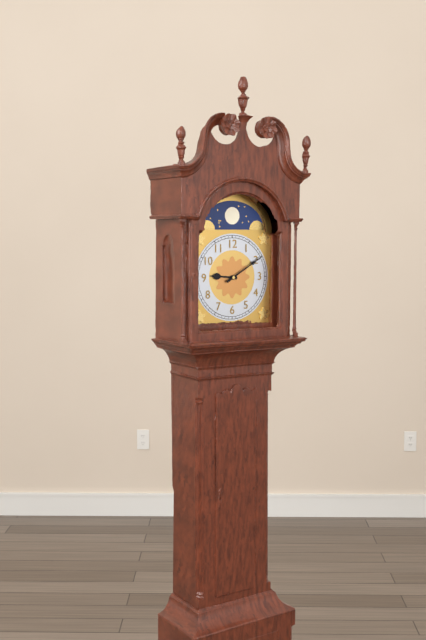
9:10
